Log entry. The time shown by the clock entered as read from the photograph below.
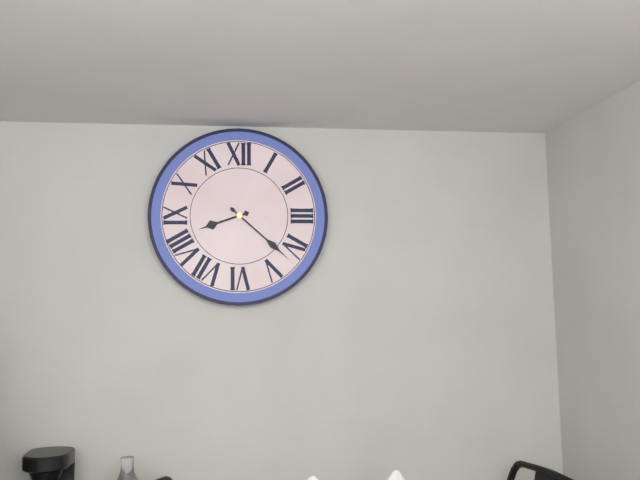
8:22
